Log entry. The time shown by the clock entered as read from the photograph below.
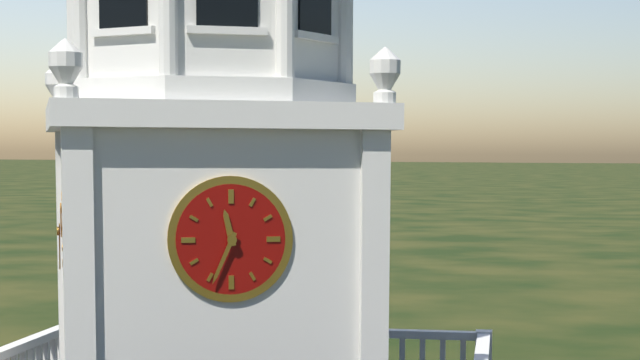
11:34
